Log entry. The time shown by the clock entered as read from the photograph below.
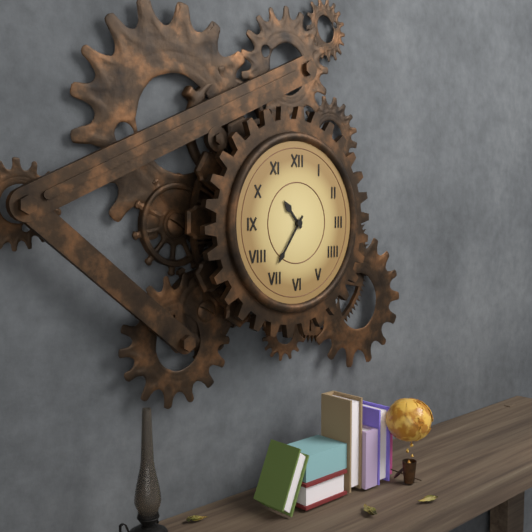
10:36
